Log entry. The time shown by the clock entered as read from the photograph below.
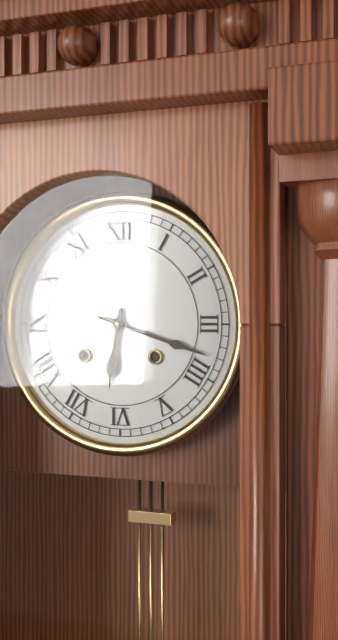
6:18
